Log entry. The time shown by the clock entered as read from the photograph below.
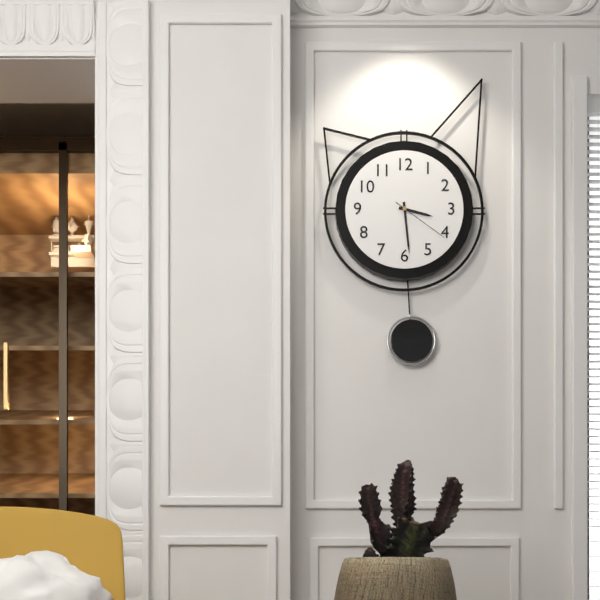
3:29:21
